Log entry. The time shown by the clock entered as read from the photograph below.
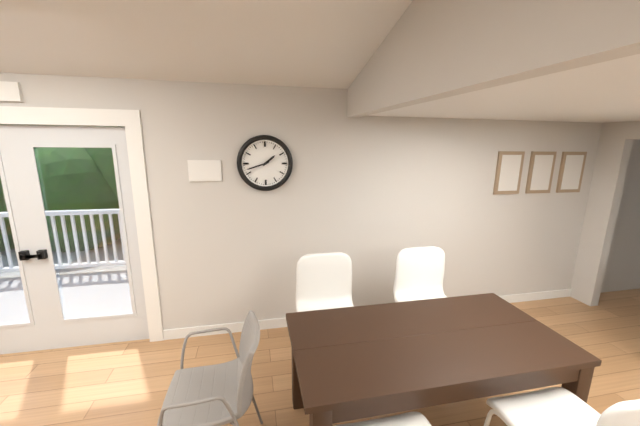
1:42
